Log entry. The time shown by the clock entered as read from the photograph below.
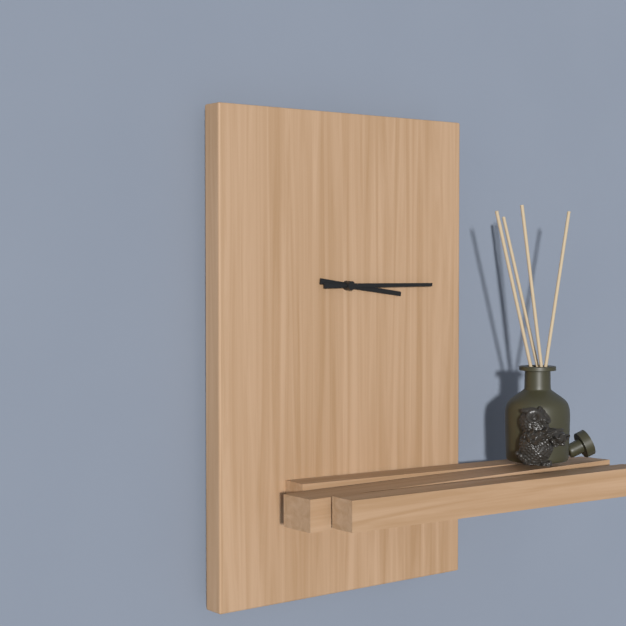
3:15
